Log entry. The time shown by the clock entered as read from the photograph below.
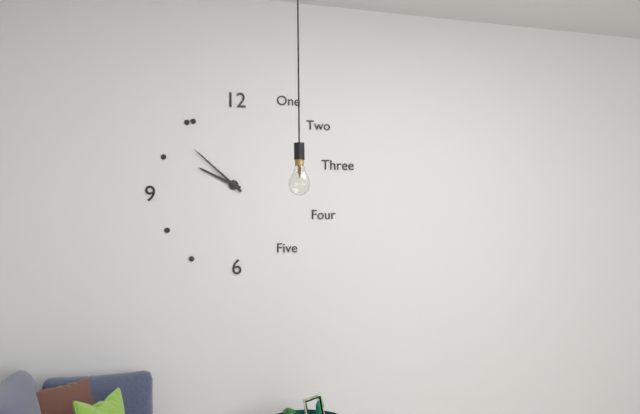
9:52
